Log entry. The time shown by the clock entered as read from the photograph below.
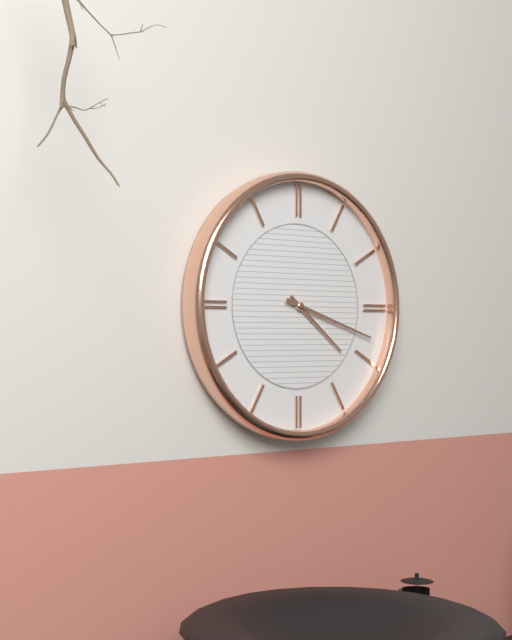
4:18
